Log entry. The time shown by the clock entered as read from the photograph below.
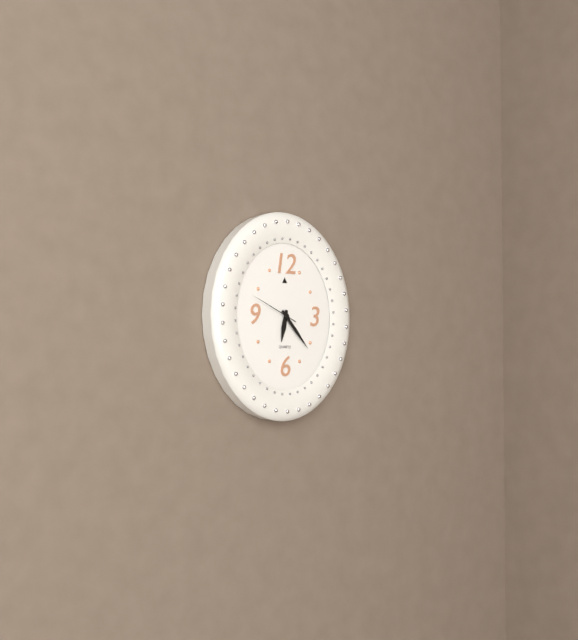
6:23:49
